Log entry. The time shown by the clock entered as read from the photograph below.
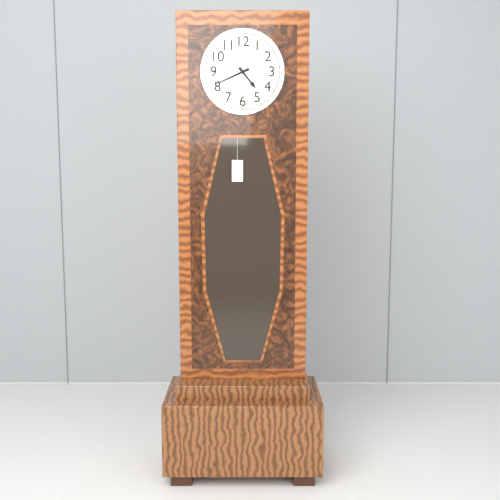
4:41
